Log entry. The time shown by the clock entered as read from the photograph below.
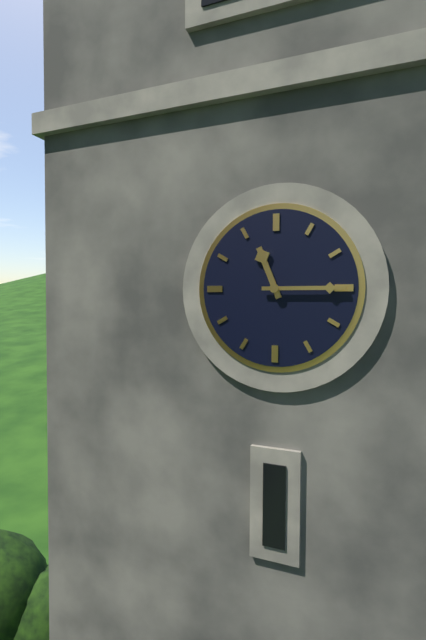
11:15
